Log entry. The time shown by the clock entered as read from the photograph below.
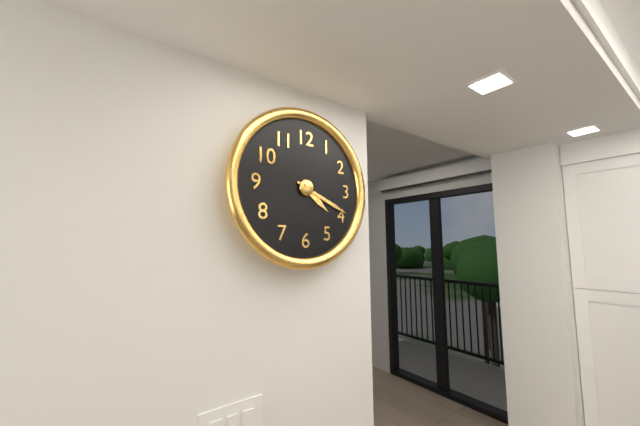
4:19
